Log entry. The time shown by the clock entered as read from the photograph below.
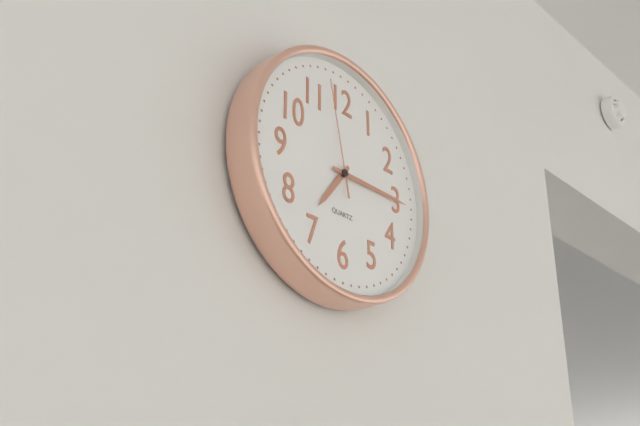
7:15:58
